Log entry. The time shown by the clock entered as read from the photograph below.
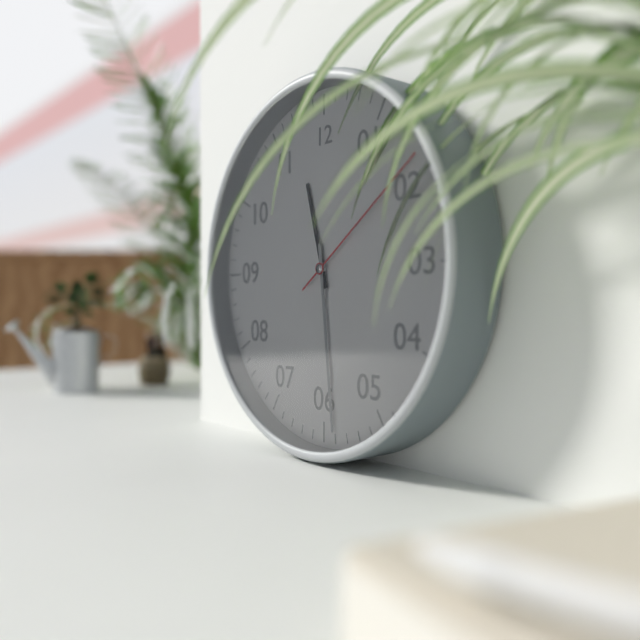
11:29:09
